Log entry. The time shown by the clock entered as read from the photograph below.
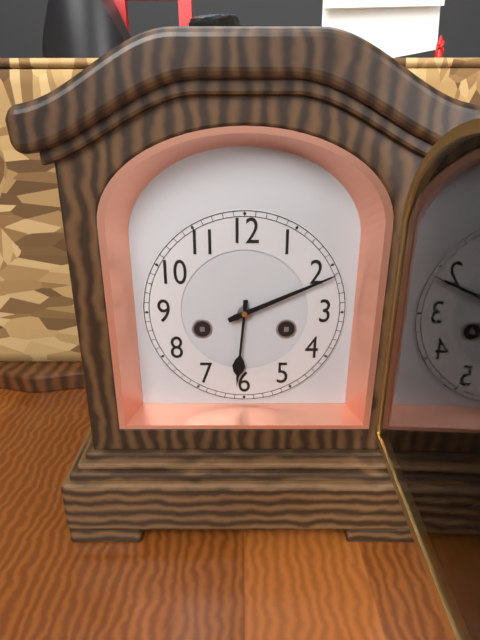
6:11
